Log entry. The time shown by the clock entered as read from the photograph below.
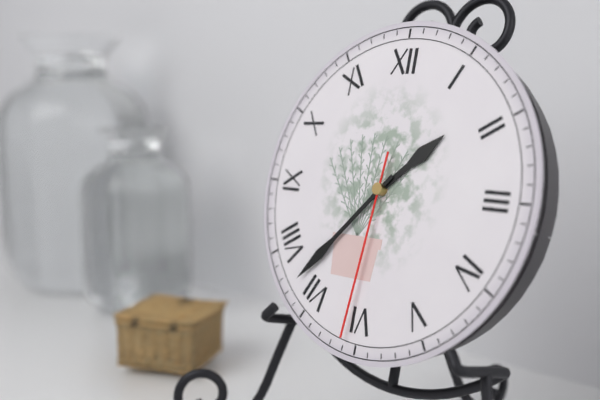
1:37:31
